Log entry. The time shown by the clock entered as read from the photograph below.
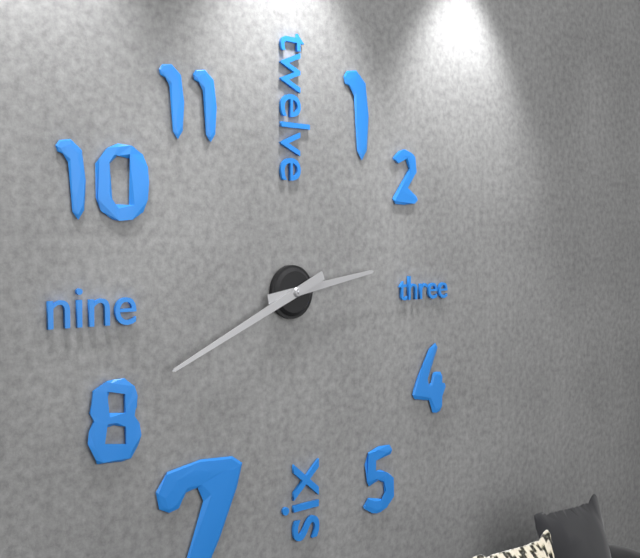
2:41
